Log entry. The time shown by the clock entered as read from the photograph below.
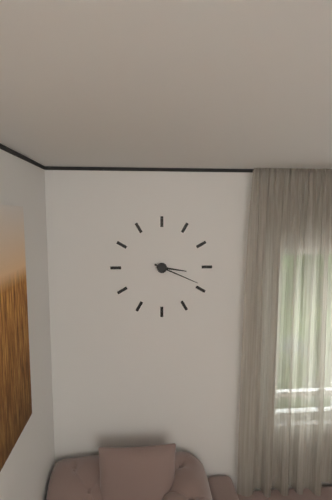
3:19
